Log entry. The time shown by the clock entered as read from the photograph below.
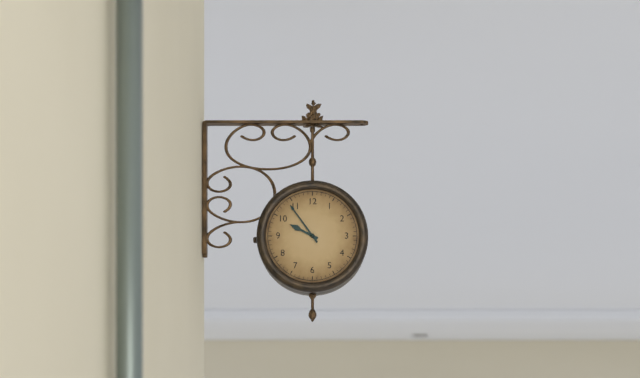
9:54
